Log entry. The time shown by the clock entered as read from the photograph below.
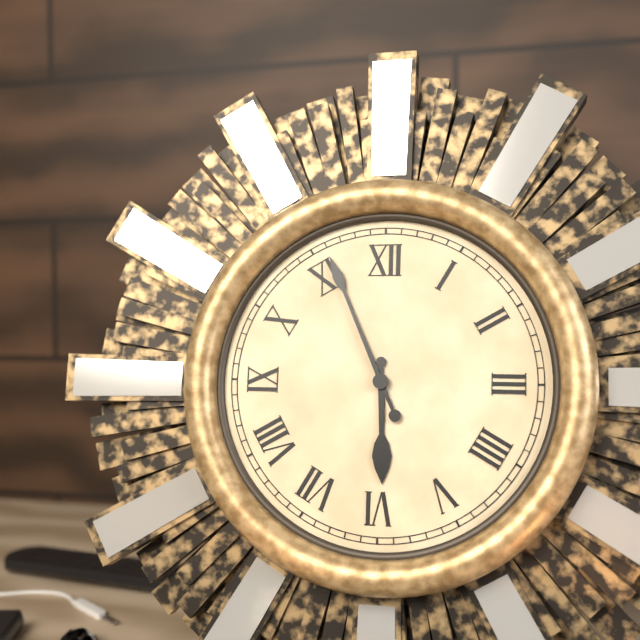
5:56
